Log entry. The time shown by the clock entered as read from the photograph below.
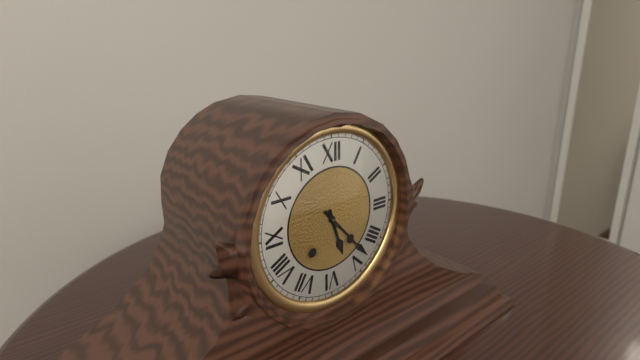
5:23
